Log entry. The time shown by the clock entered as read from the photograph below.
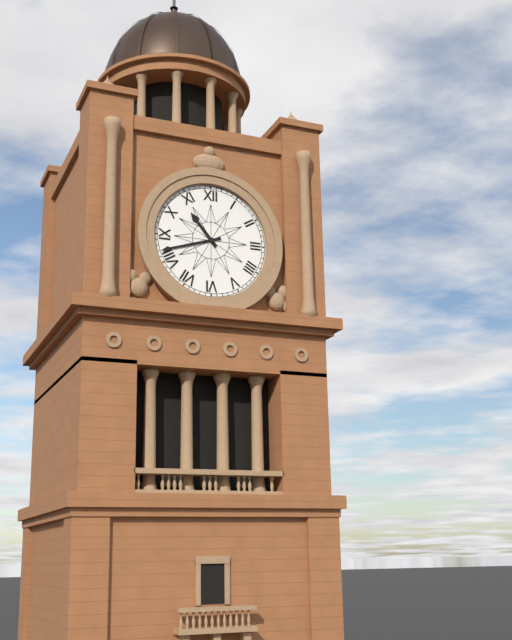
10:42
